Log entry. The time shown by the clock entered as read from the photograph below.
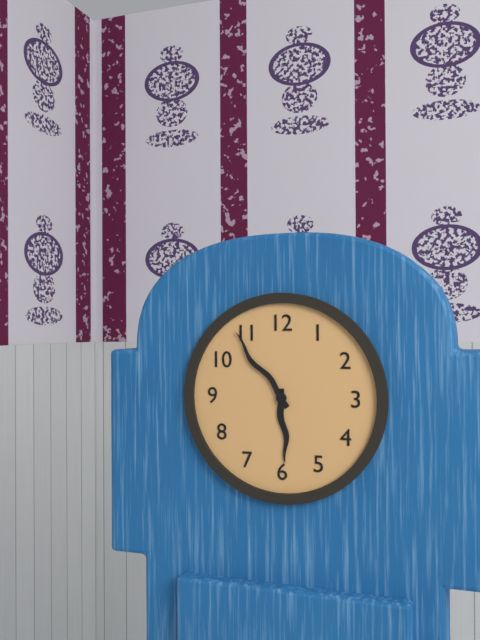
5:54
